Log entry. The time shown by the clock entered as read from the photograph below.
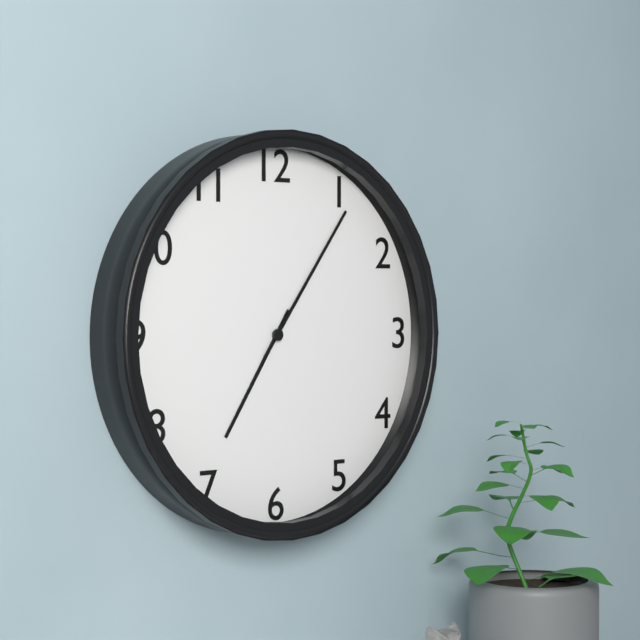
7:06
